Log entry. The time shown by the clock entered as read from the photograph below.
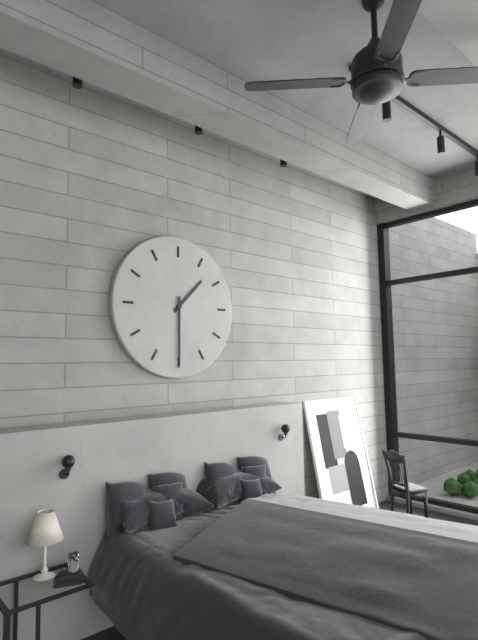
1:30
